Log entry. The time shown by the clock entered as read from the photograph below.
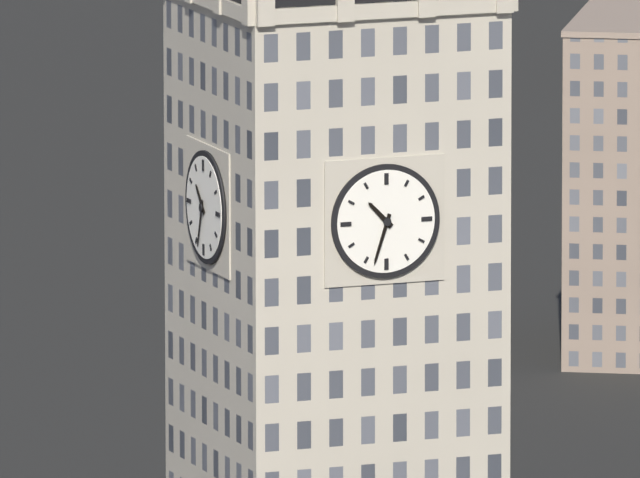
10:33
